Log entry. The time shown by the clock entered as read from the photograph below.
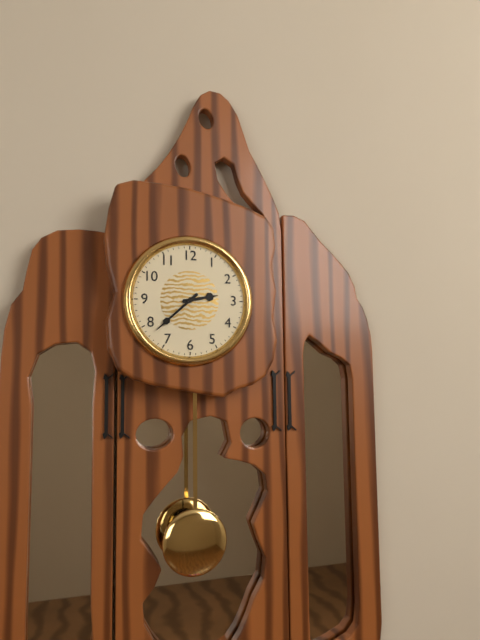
2:38
